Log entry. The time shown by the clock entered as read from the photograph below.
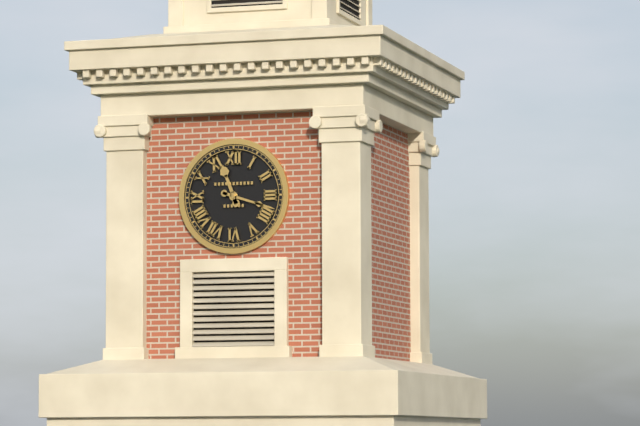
11:18
